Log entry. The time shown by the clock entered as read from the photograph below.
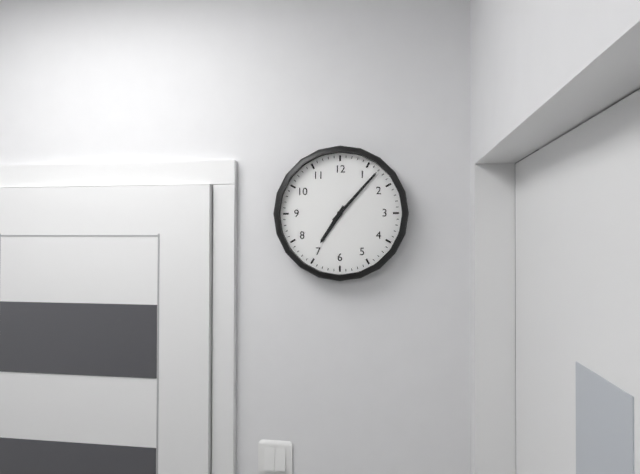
7:07
